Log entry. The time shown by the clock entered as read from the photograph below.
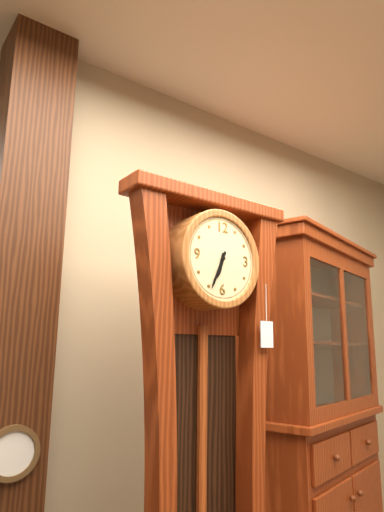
6:34
